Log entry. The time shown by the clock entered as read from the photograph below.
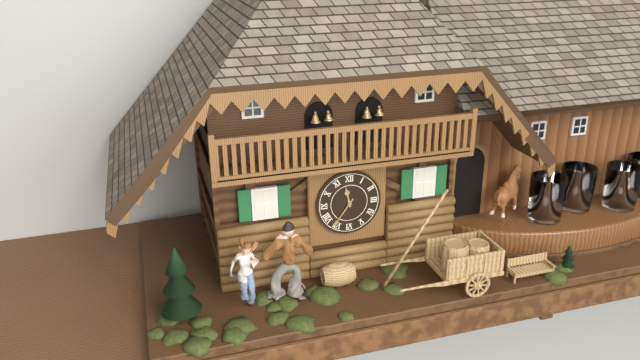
11:36
